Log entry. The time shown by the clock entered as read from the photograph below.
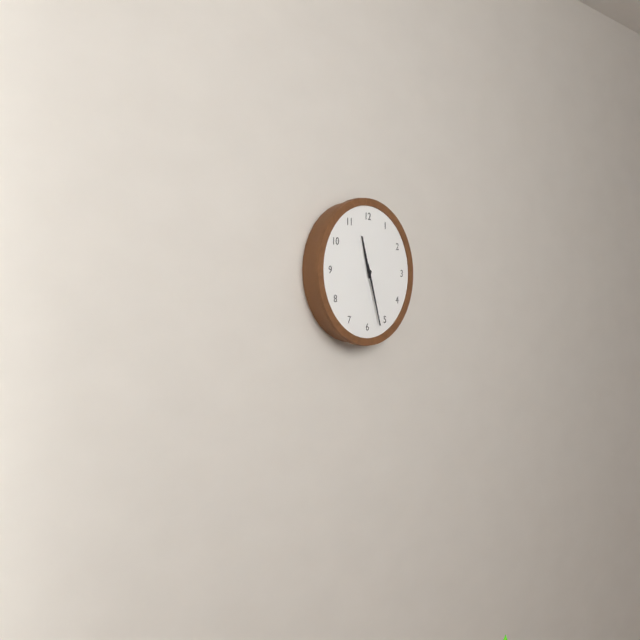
11:27
